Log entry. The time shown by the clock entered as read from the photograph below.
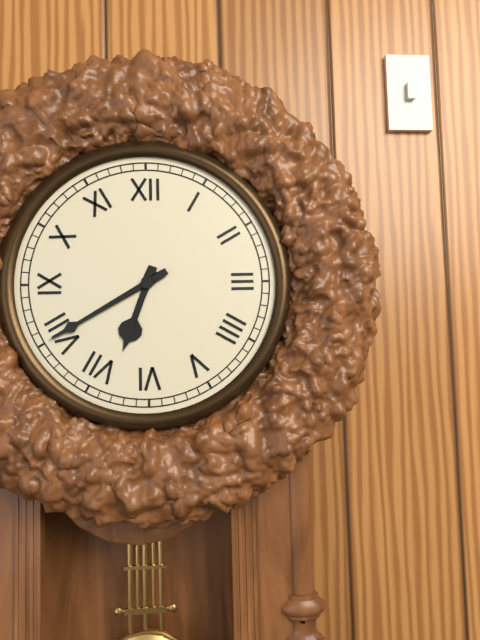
6:40
